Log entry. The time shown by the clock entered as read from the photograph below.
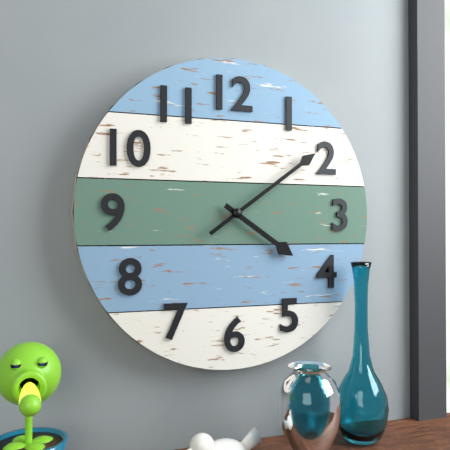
4:09
